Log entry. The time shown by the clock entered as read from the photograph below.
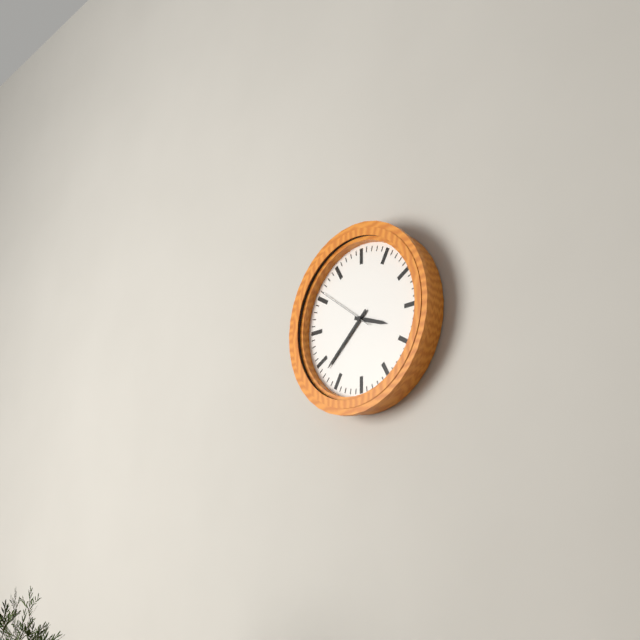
3:38:51
